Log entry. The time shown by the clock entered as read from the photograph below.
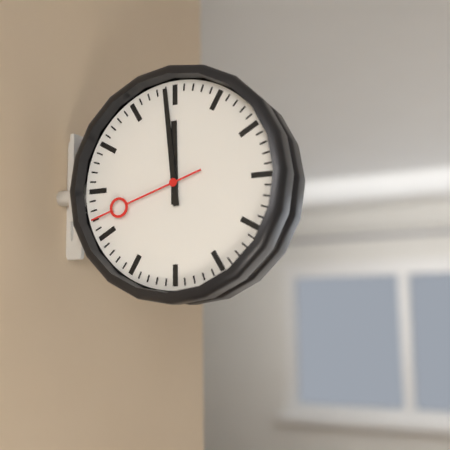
11:59:42
